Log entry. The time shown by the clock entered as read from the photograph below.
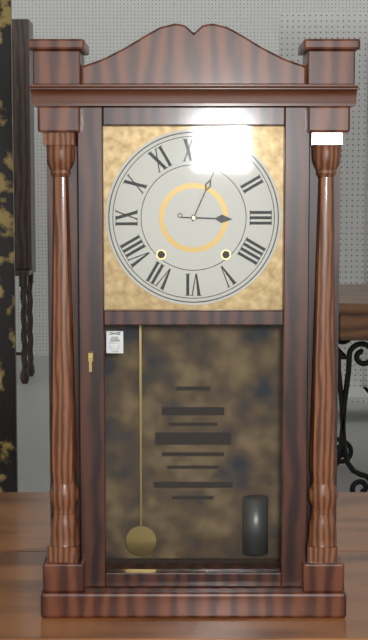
3:04
